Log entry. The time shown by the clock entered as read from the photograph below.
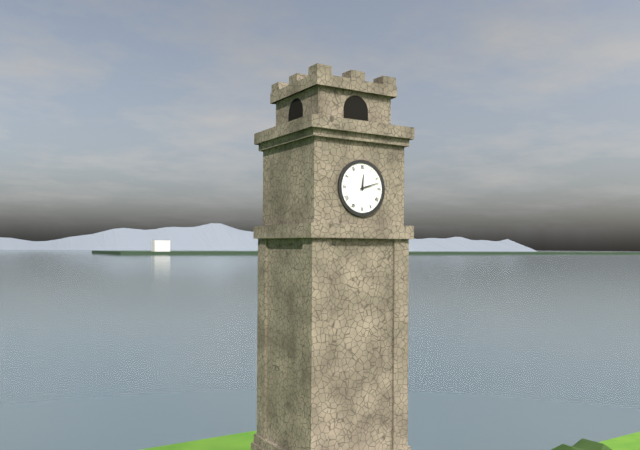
12:12
